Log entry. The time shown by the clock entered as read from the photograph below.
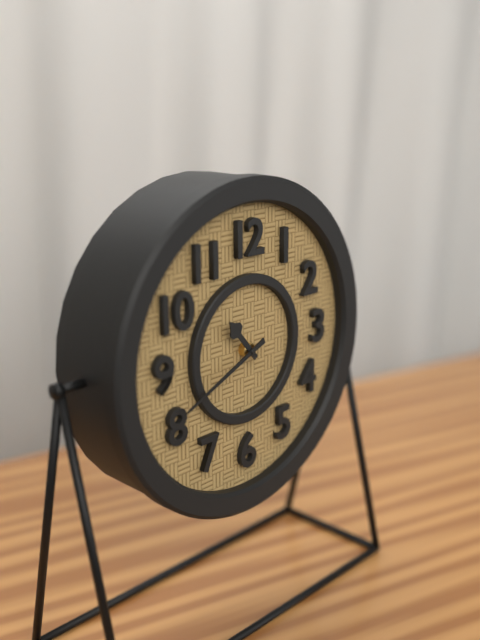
10:41
